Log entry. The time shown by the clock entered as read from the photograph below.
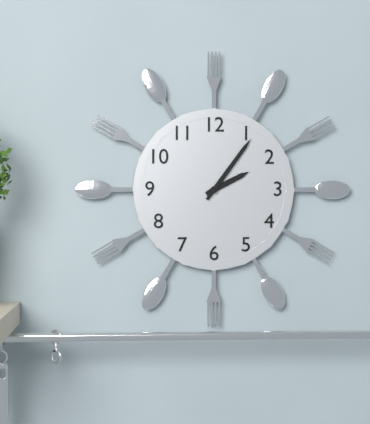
2:06
